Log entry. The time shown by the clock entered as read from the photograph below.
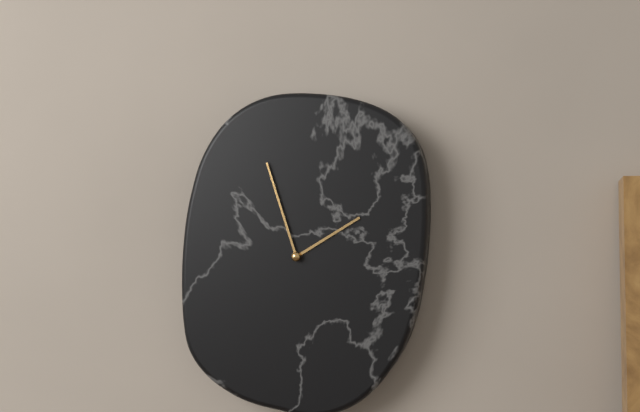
1:57
